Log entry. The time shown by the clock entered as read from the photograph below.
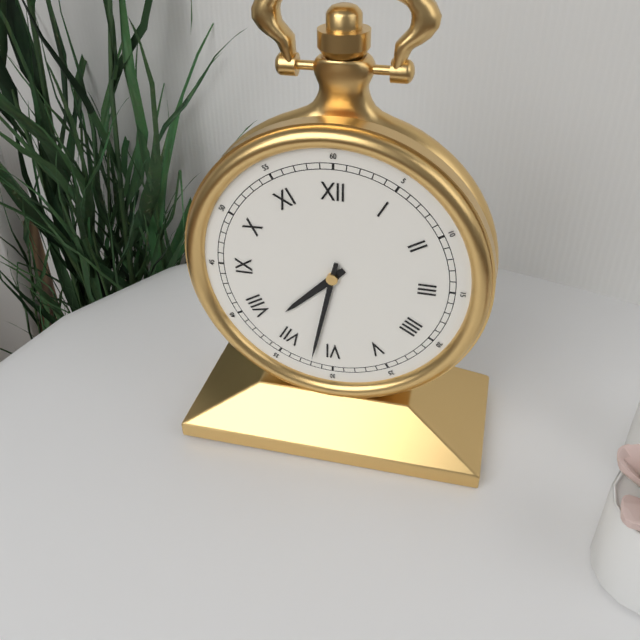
7:32
